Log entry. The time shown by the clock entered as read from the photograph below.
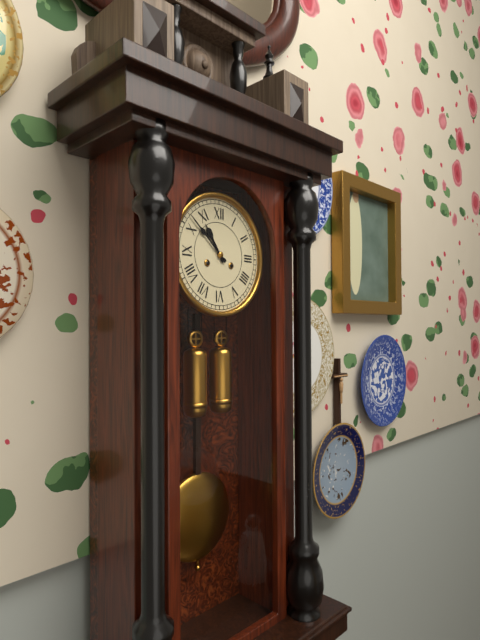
10:52
